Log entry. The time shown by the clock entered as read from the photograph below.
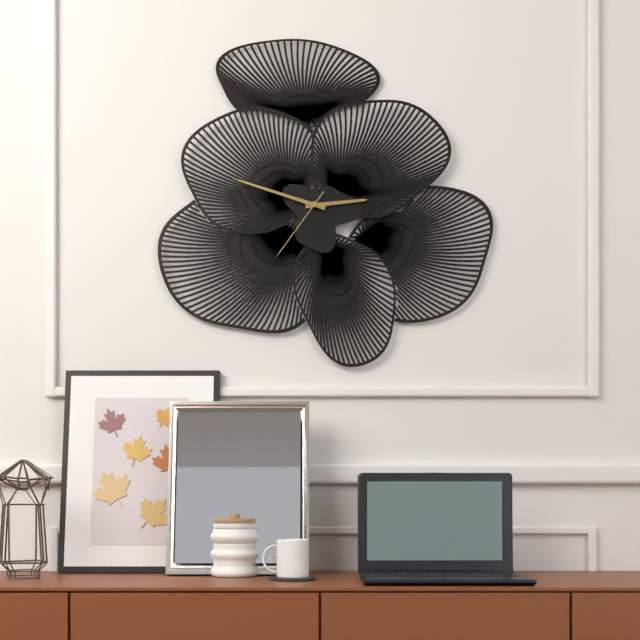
2:48:36
